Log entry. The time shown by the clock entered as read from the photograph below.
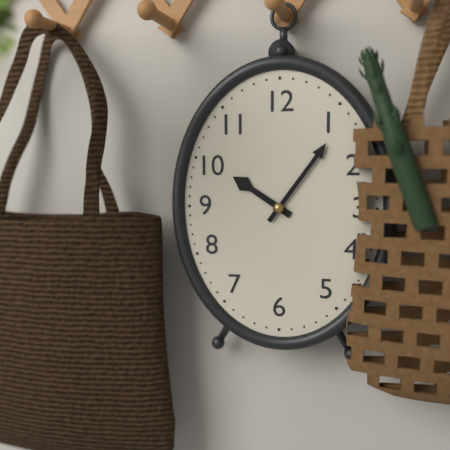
10:06
